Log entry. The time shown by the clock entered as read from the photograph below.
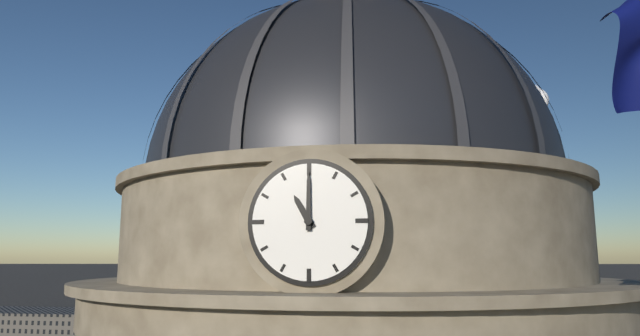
11:00
